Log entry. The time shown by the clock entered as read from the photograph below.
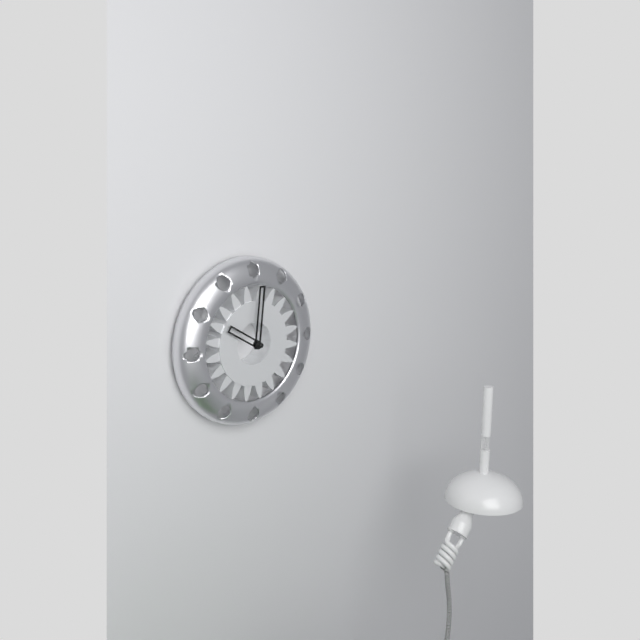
10:01
